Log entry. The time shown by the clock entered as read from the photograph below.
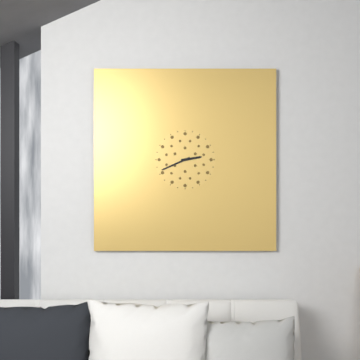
2:41
